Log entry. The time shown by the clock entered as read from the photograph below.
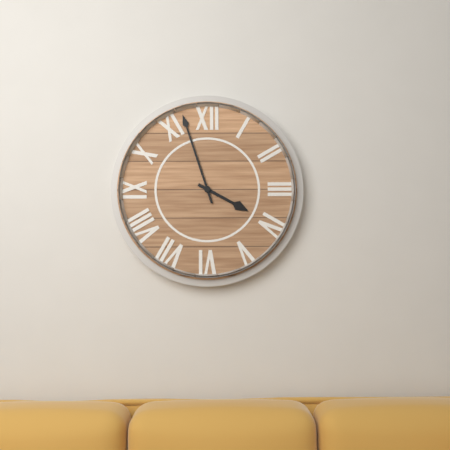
3:57
